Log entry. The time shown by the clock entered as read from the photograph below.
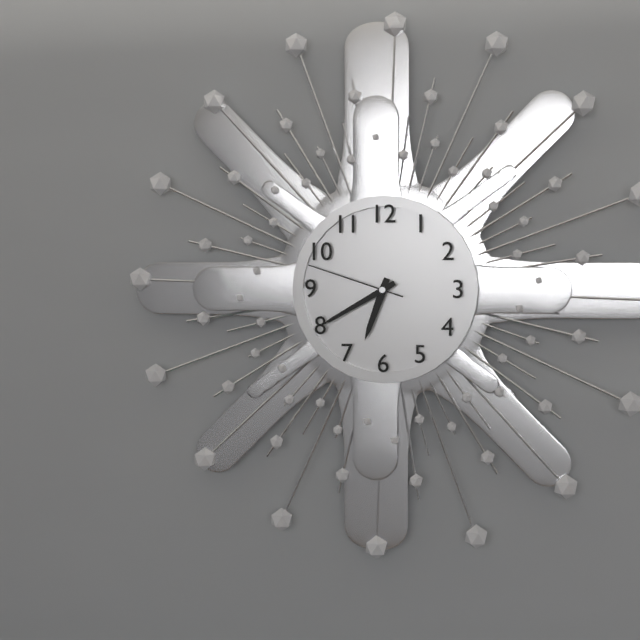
6:40:48
